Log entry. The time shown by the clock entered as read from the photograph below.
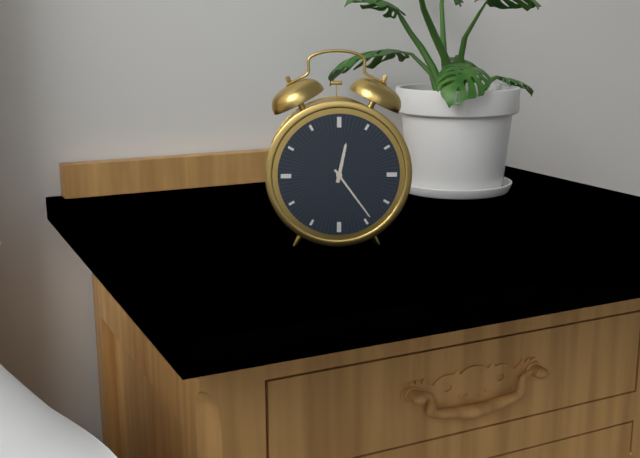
12:24
